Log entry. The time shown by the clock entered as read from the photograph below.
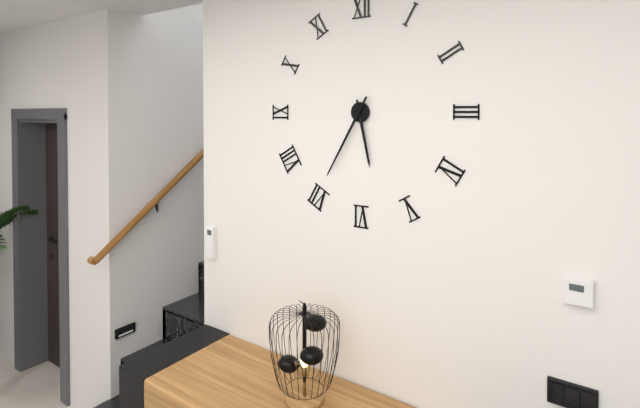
5:35
